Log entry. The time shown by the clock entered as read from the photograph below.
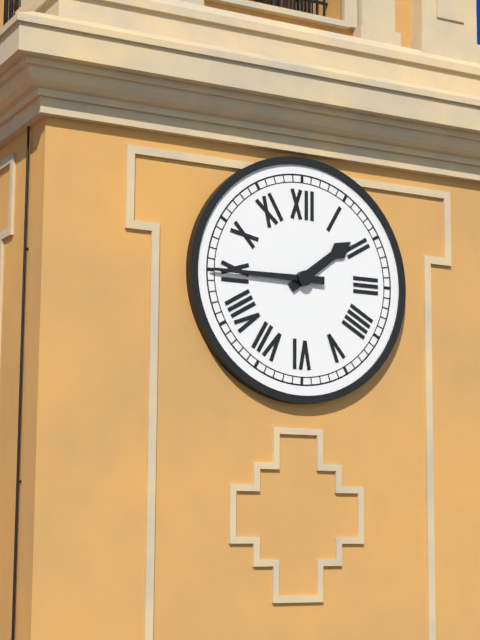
1:45
